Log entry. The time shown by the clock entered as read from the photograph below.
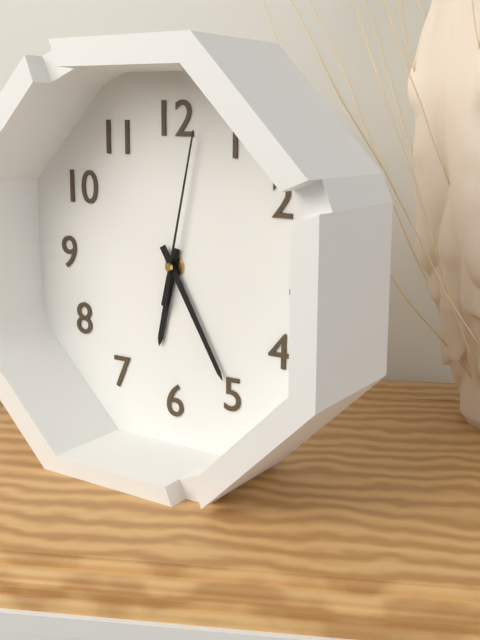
6:25:02
